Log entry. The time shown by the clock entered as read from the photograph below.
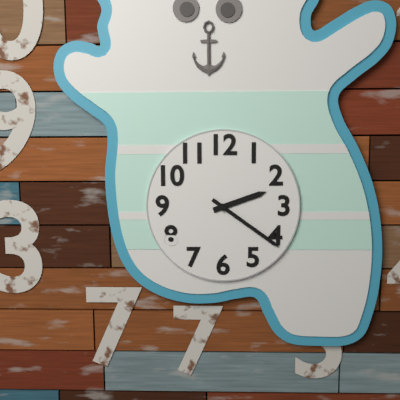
2:21
